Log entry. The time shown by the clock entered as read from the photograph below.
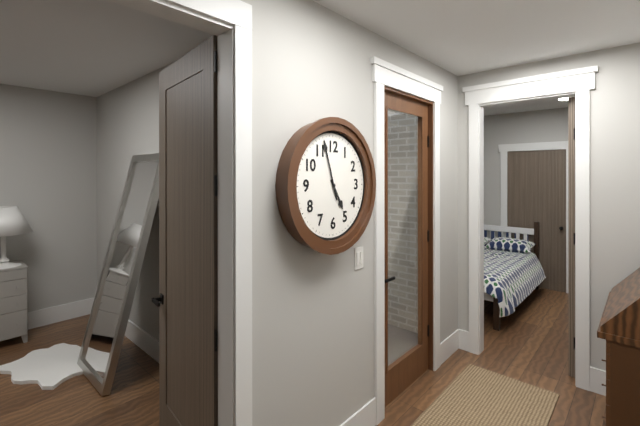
4:57
